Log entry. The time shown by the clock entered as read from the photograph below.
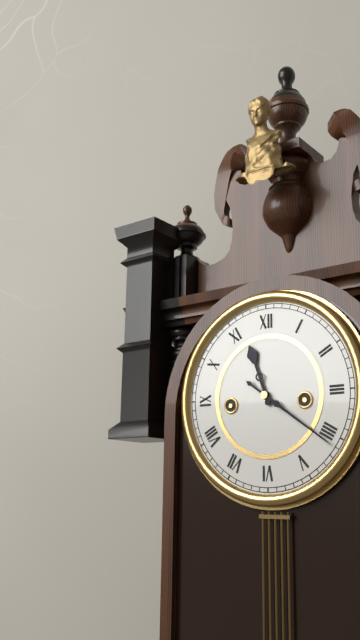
11:21
